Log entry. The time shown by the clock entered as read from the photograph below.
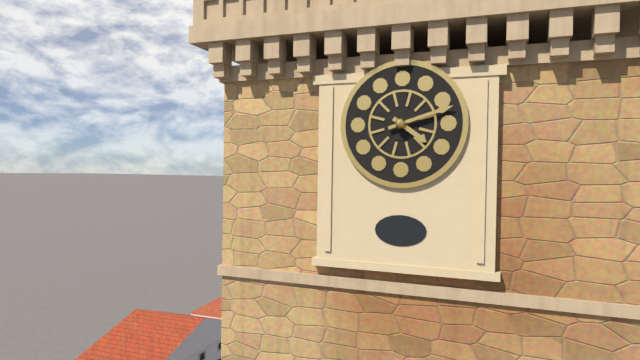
4:12
